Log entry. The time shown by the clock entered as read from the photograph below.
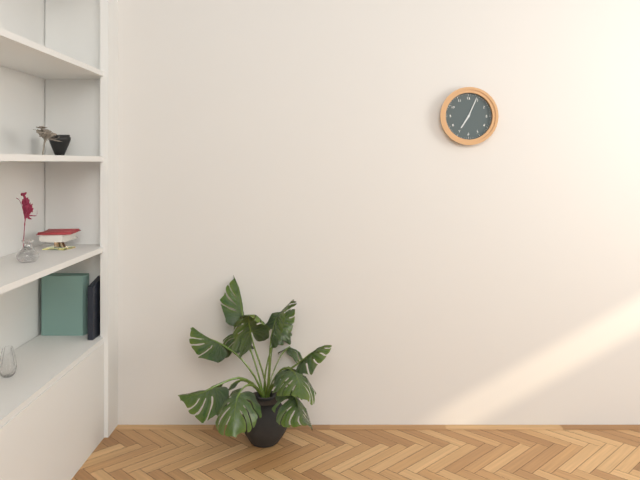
7:04
